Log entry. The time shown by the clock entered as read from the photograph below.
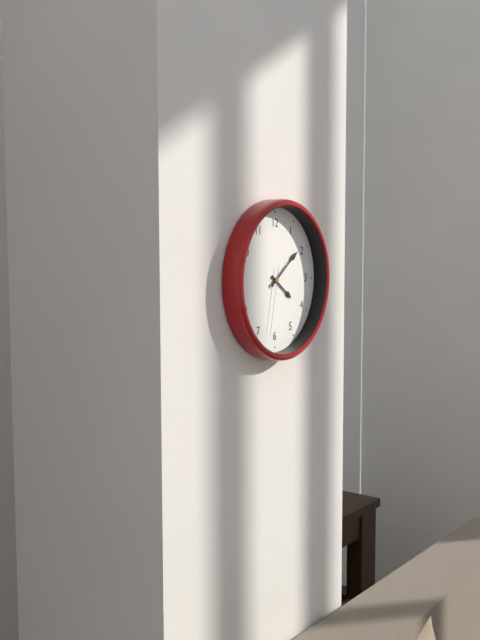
4:09:32
